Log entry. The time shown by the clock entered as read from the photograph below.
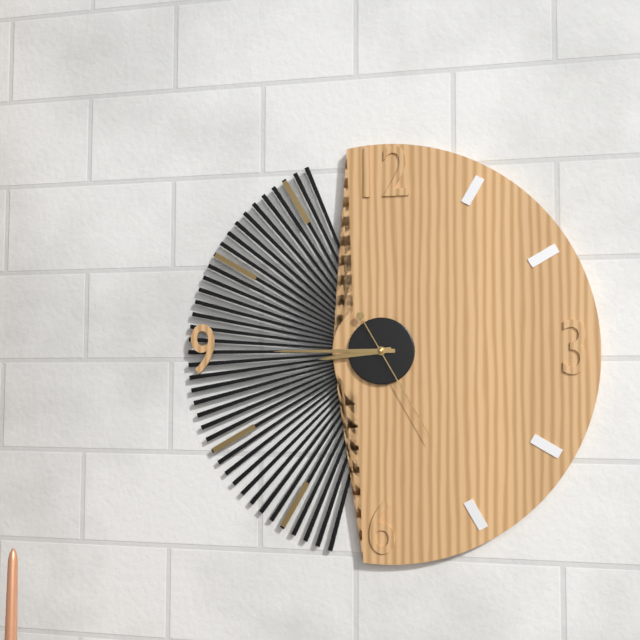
8:45:25
